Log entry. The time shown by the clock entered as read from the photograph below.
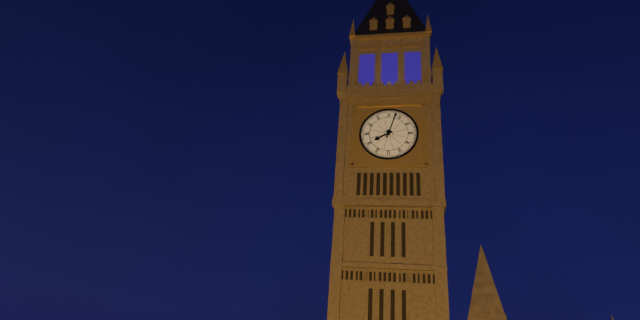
8:03
